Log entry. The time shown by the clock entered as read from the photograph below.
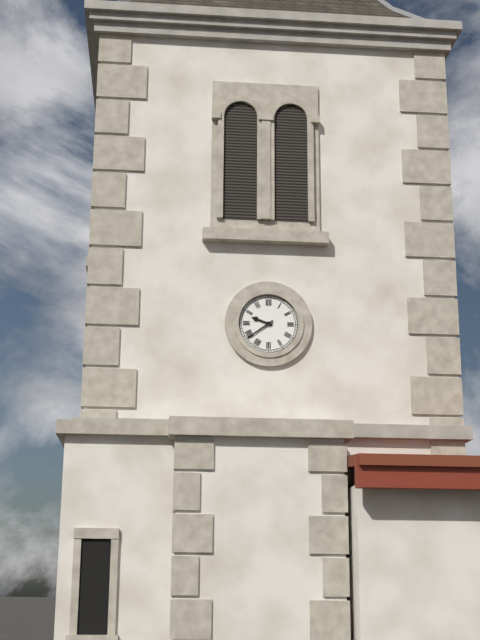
9:39
